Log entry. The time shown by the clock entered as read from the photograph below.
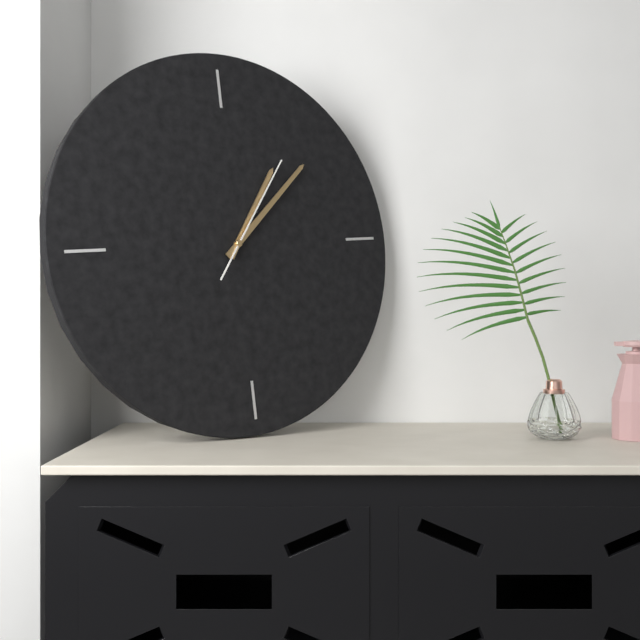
1:08:06
